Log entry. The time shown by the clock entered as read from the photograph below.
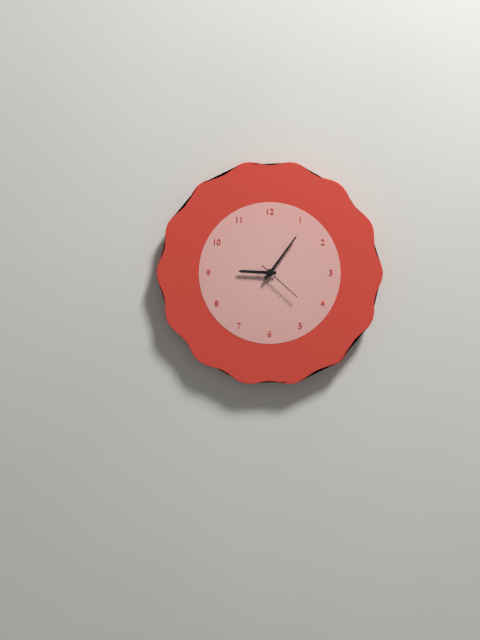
9:06
